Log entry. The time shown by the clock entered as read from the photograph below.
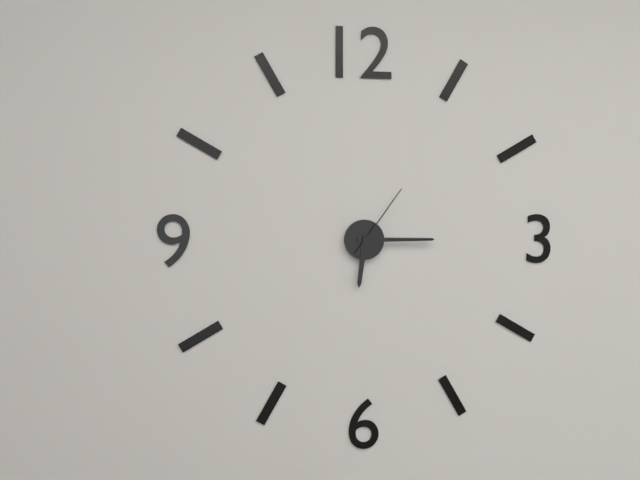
6:15:06
